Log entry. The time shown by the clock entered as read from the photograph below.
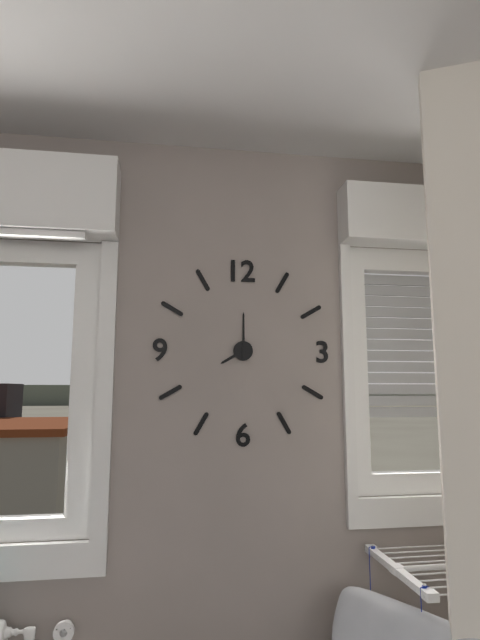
8:00
